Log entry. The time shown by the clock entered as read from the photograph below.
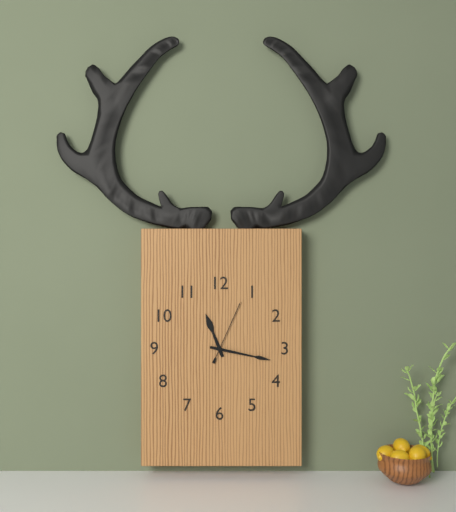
11:17:04
